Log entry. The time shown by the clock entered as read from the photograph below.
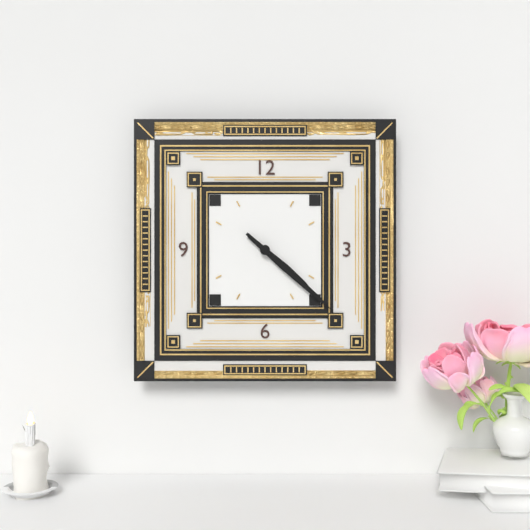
4:22
